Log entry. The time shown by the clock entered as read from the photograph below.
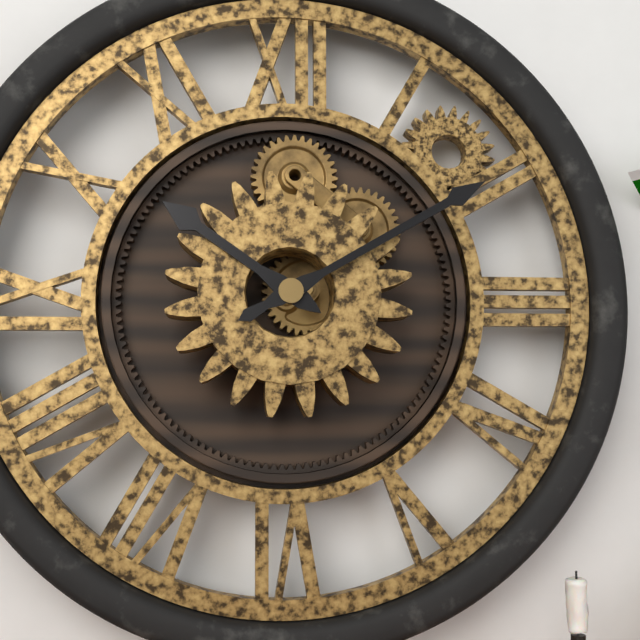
10:10
